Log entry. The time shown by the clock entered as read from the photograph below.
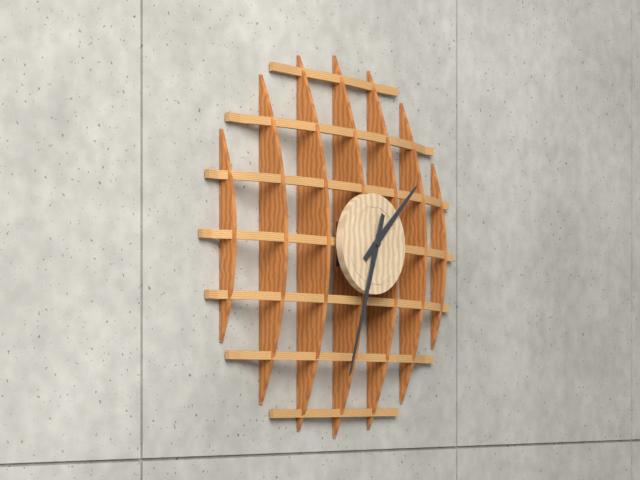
1:33
